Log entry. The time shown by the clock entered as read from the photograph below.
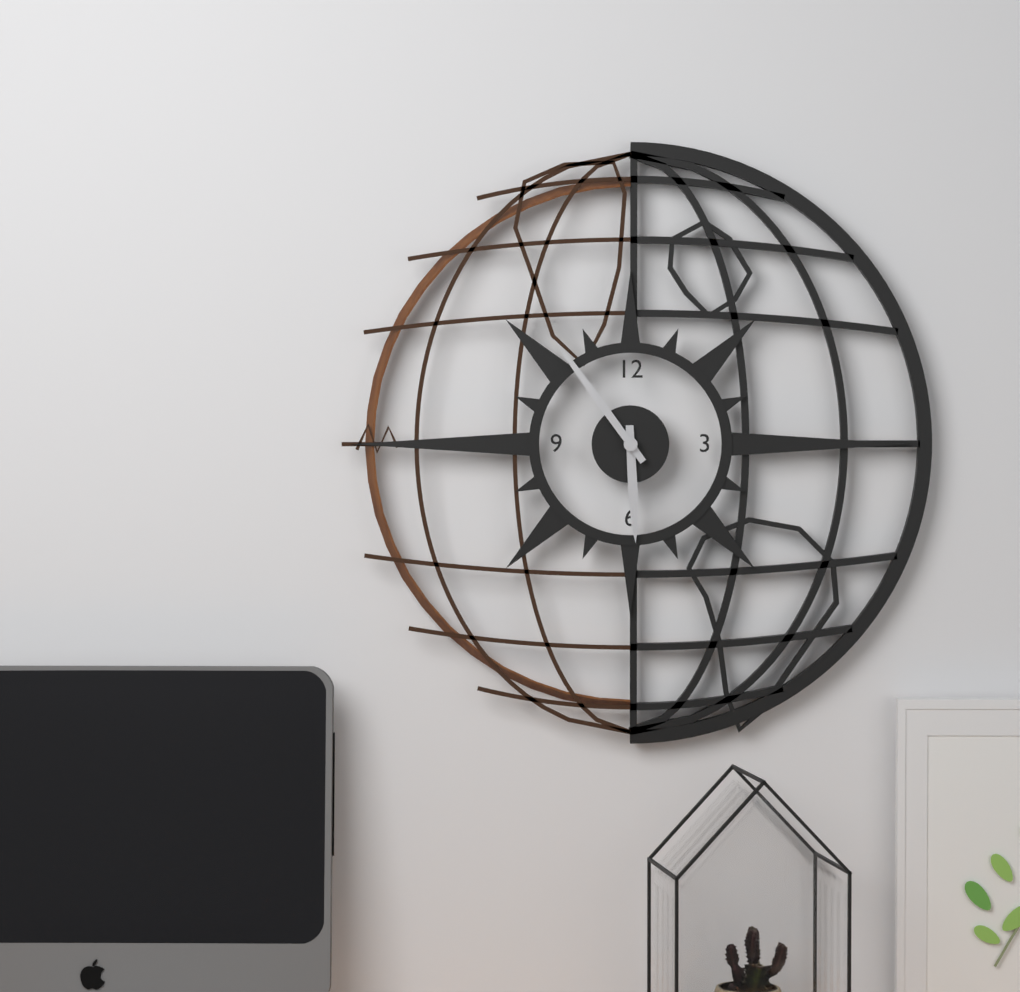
5:54
